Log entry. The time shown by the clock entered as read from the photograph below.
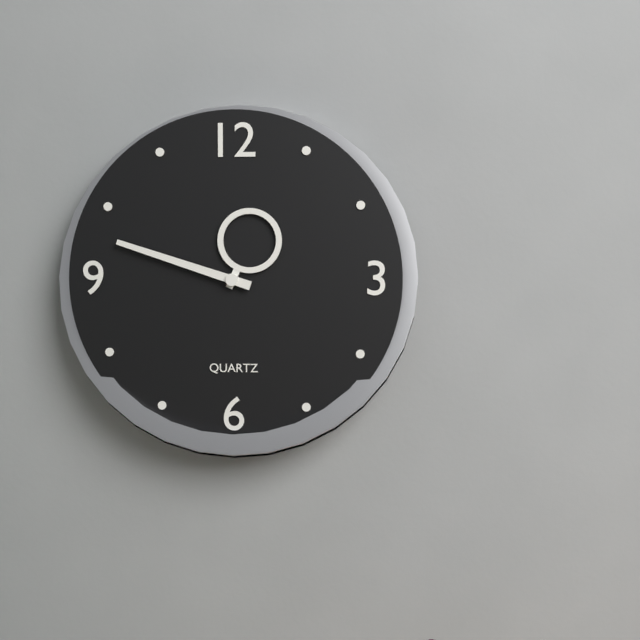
12:48
